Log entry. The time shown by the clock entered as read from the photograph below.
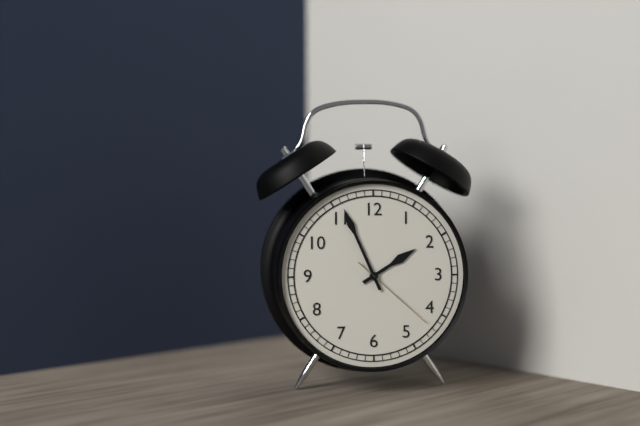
1:56:22
